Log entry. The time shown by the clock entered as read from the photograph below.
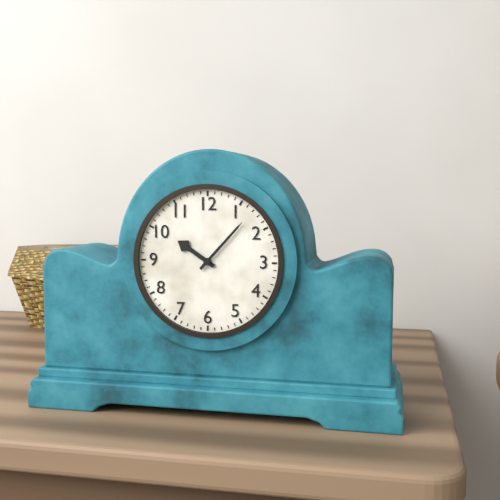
10:07
